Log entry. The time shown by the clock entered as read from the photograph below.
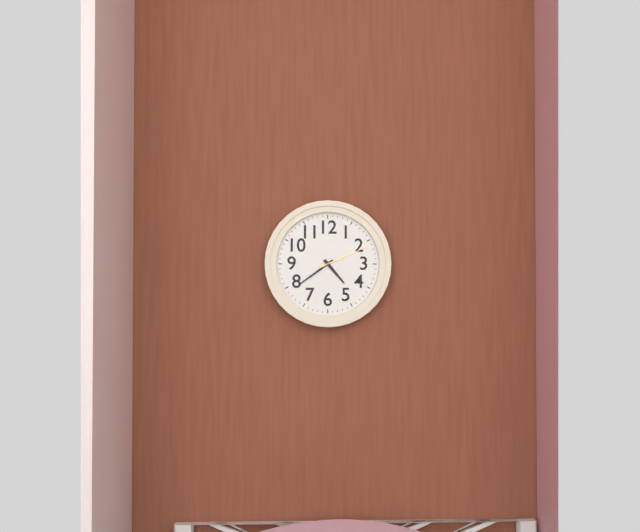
4:39:11
